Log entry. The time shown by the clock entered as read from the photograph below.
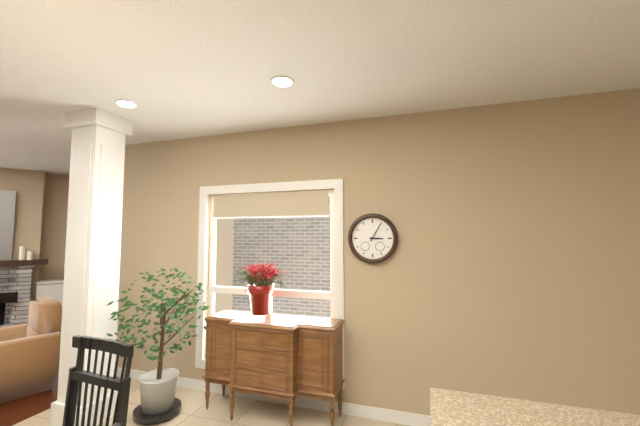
3:05
